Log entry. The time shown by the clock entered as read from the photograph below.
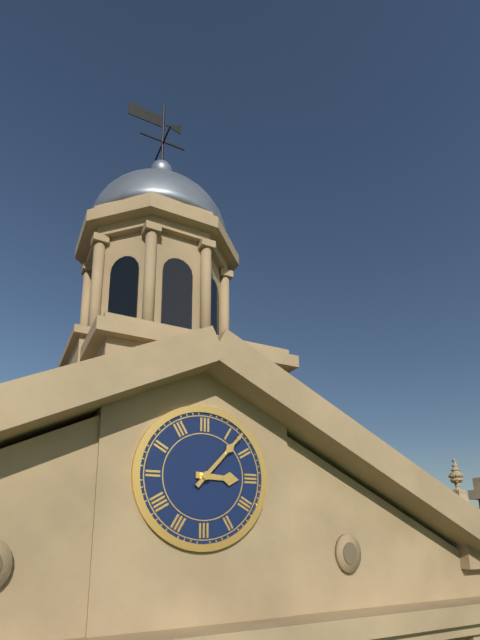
3:07
